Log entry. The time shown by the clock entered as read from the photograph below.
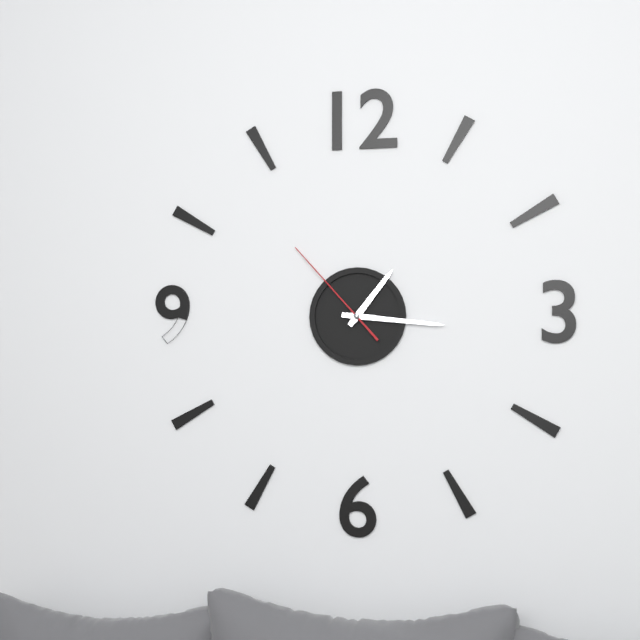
1:16:53
